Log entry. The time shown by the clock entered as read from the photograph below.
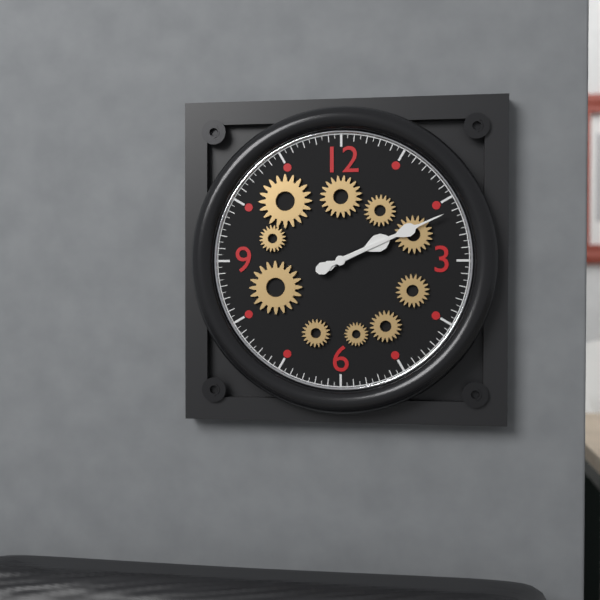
2:11
